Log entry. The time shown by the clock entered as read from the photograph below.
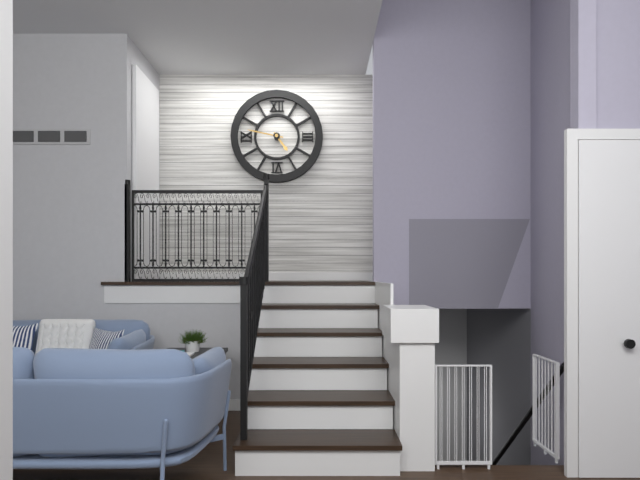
4:47
